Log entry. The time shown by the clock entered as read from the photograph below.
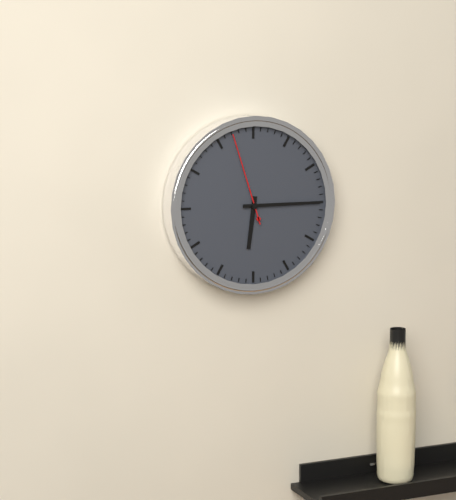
6:15:57
